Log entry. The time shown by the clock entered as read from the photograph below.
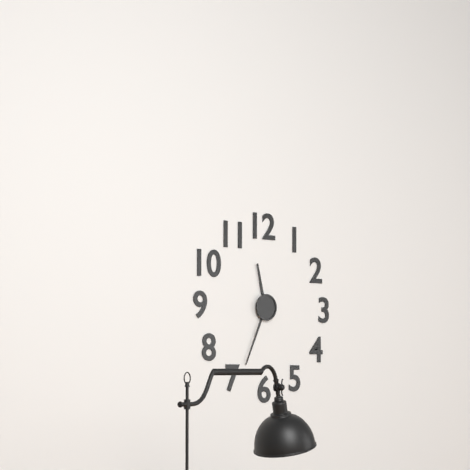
11:34
